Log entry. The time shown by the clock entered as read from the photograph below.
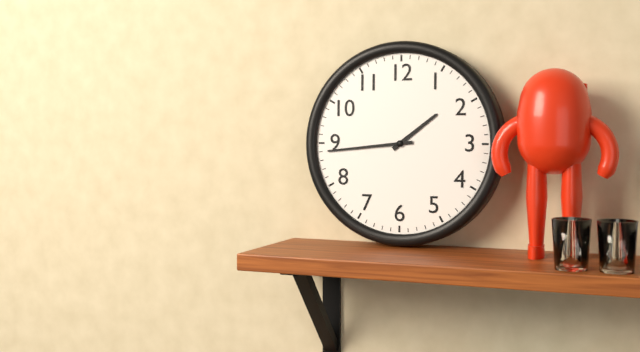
1:44
